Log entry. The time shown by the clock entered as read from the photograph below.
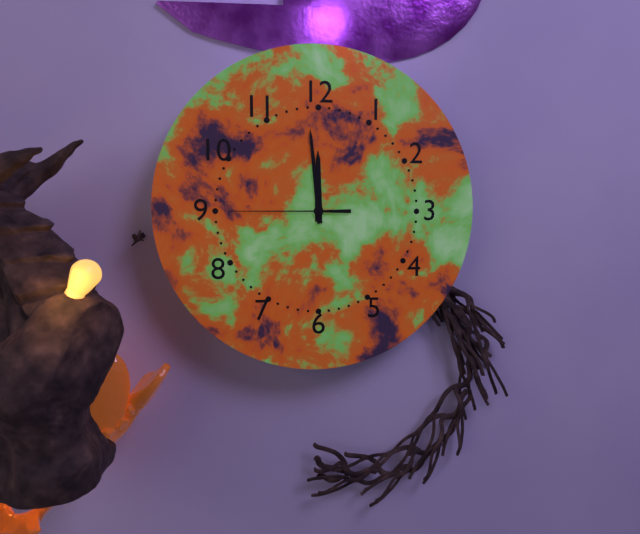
11:59:45
